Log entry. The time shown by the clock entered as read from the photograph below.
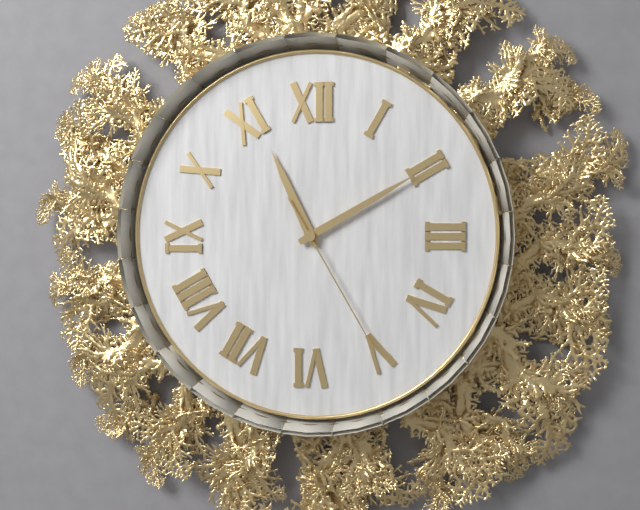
11:10:25
